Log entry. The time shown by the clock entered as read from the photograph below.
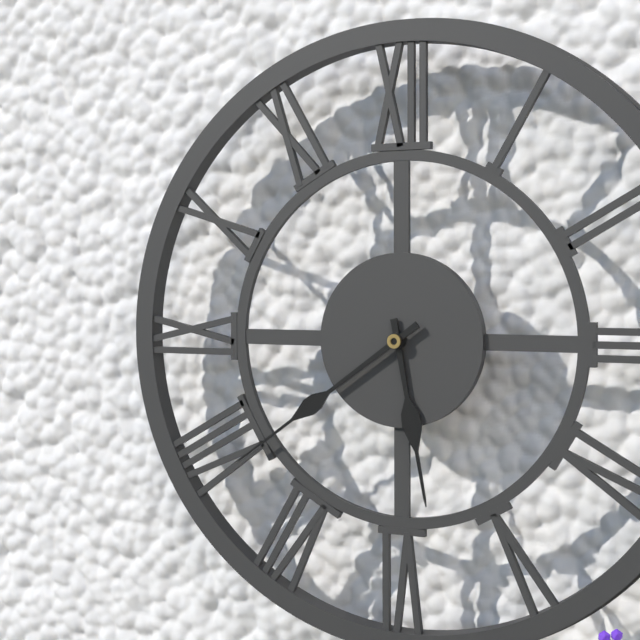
5:39
